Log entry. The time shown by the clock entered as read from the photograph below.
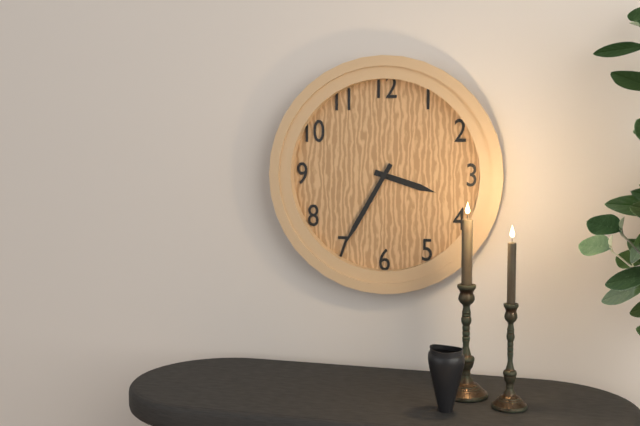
3:35
